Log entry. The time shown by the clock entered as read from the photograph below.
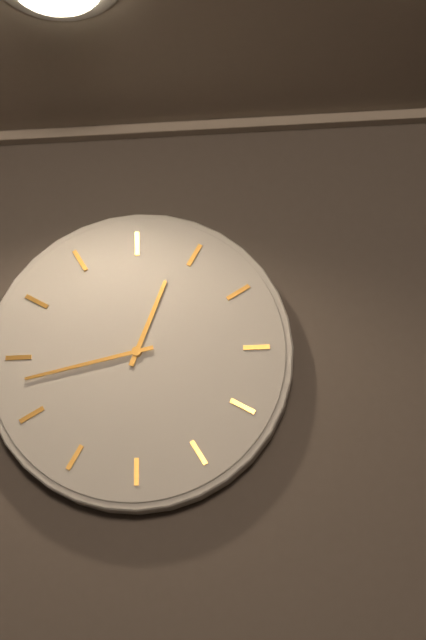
12:43
